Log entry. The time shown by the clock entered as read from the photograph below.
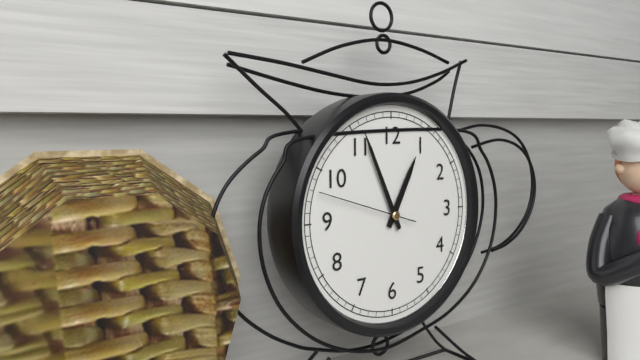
12:56:48
